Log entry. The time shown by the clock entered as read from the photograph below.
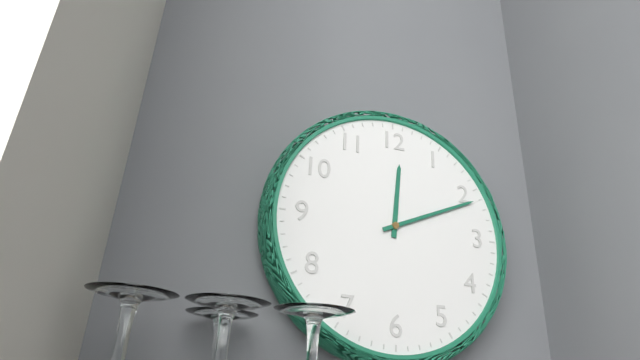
12:11
